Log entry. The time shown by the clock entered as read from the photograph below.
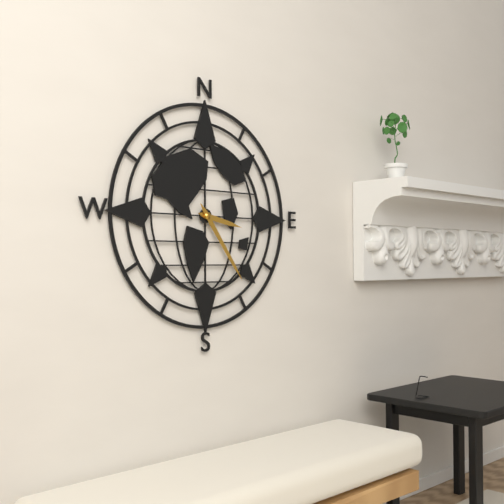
3:24
